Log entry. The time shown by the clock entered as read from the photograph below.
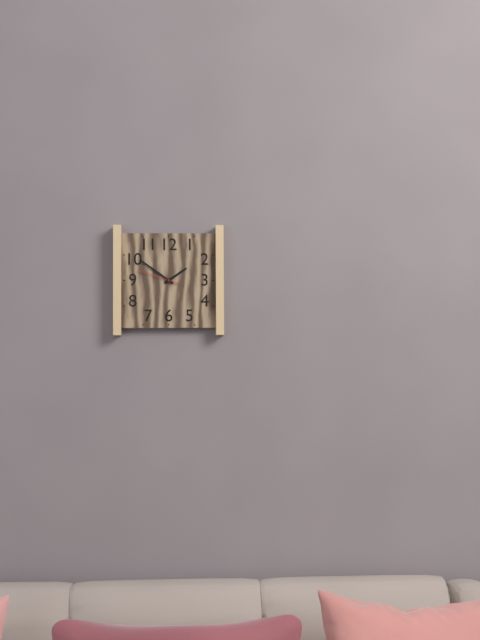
1:51
